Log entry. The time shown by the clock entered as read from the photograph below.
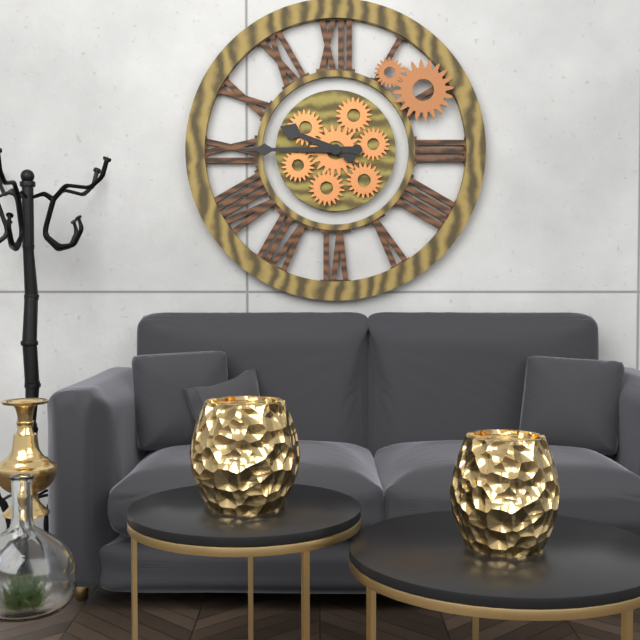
9:45
